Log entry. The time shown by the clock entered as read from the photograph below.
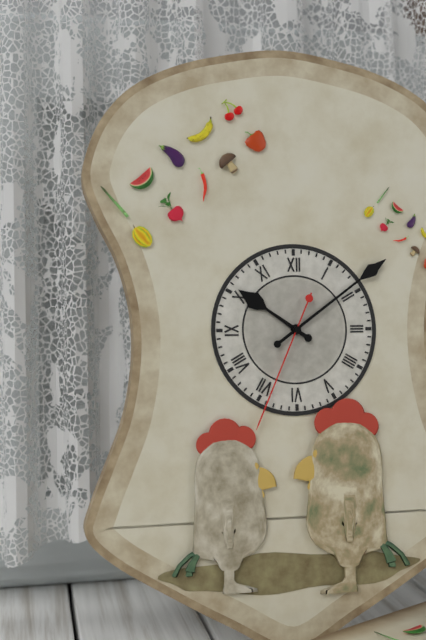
10:09:34
